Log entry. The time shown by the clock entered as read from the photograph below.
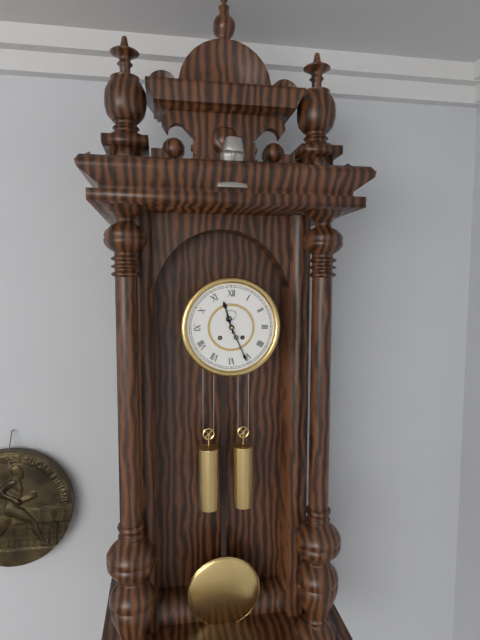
11:26
